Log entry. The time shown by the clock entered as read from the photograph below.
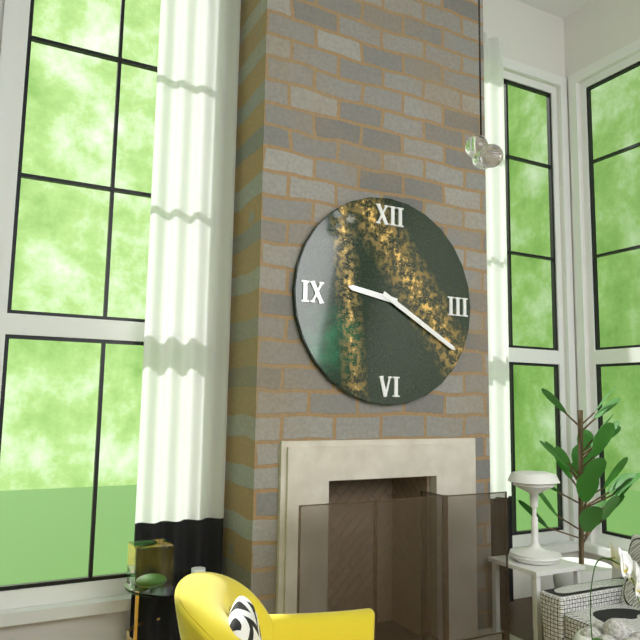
9:20
